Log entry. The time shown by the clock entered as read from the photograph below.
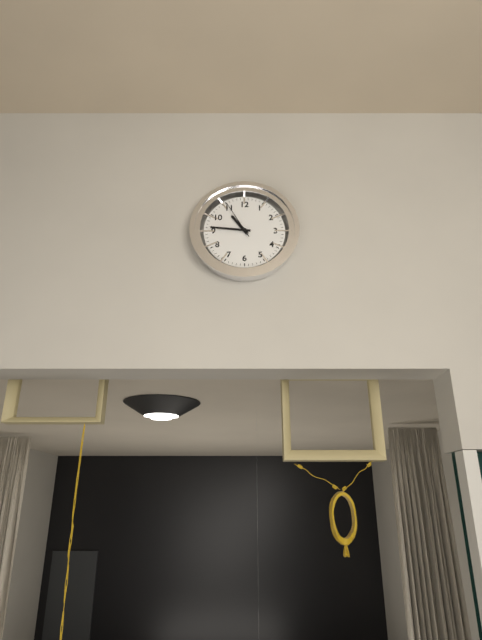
10:46
